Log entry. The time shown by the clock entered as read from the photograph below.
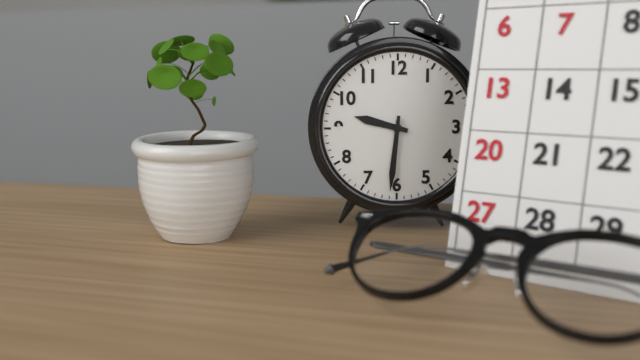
9:31
